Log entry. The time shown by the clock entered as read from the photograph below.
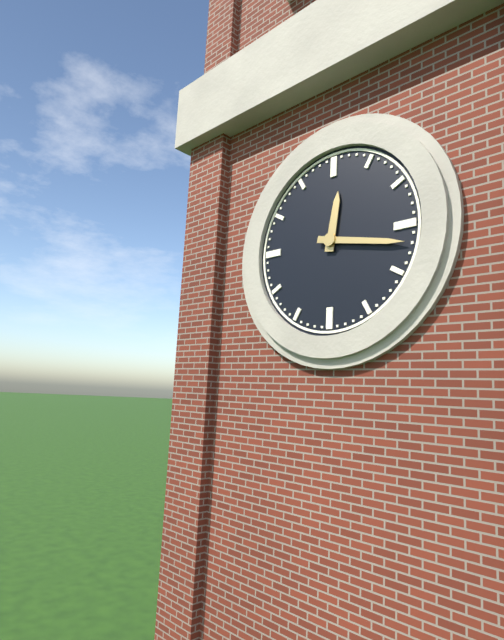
12:17
